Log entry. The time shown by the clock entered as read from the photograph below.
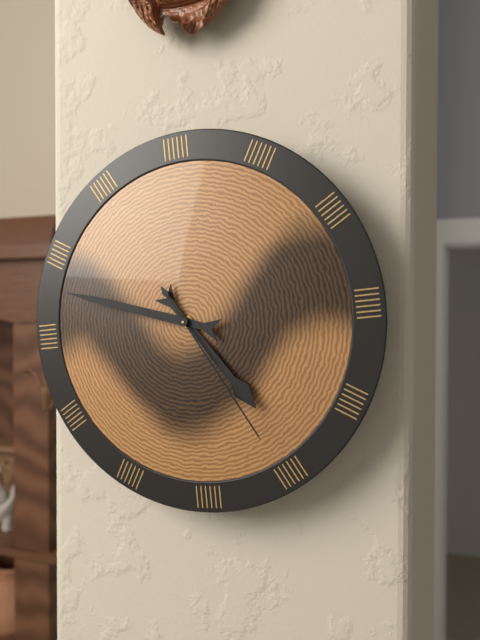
4:48:25
